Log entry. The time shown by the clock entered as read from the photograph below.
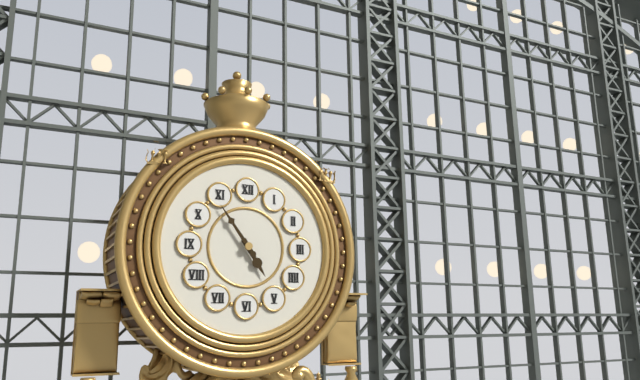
4:54
